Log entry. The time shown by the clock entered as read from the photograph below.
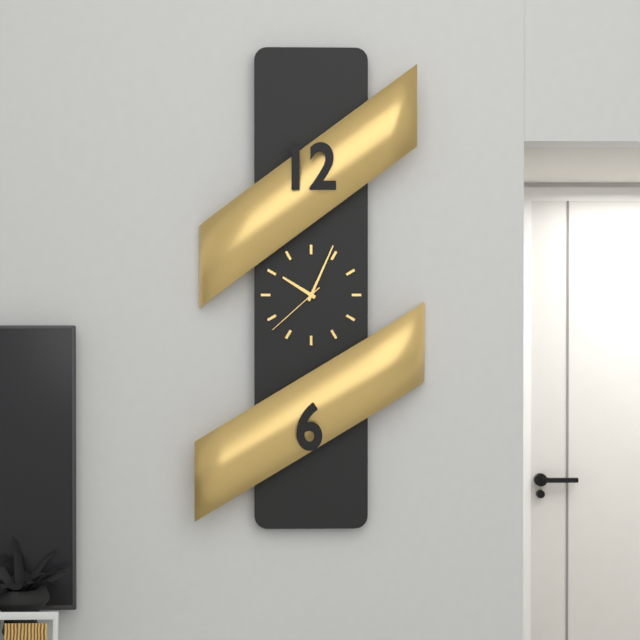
10:04:38
